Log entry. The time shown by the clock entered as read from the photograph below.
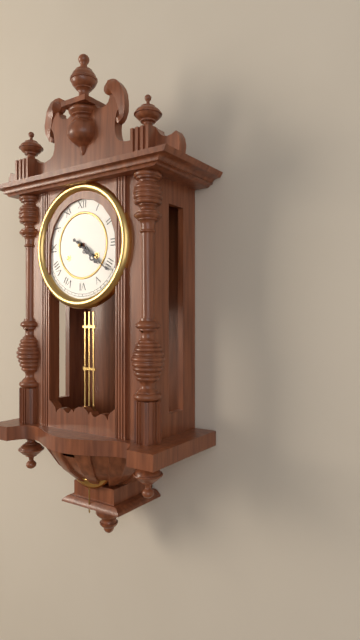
4:21
